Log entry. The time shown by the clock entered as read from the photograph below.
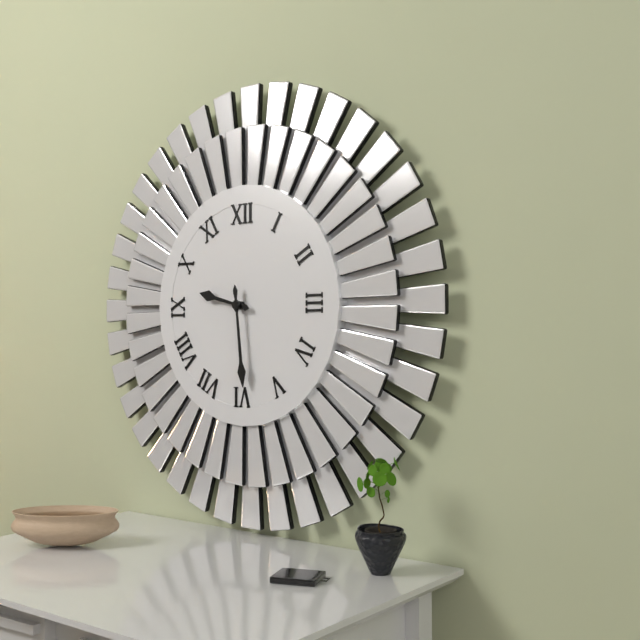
9:29
